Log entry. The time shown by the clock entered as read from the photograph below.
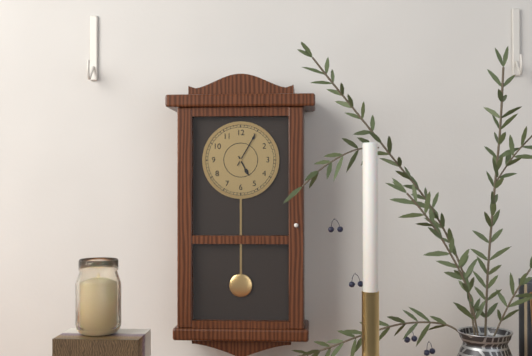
5:05
